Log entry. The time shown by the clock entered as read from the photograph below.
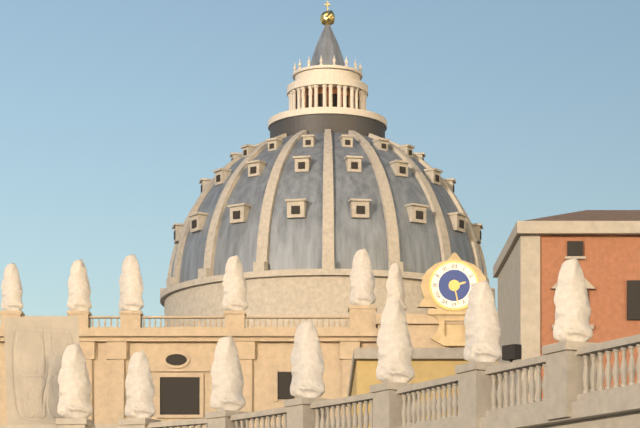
2:28
